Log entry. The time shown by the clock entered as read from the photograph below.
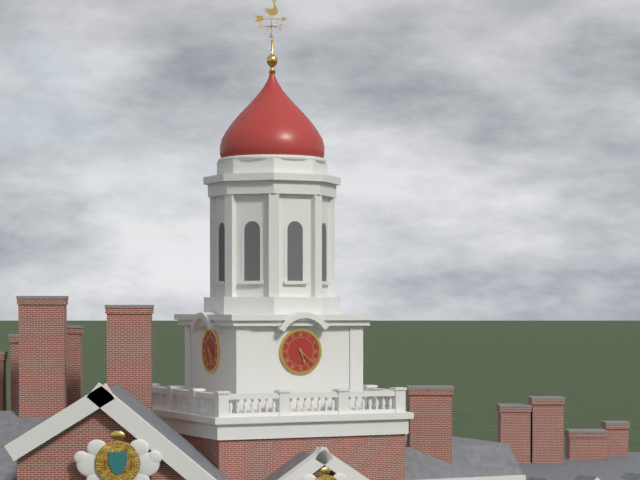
5:22
